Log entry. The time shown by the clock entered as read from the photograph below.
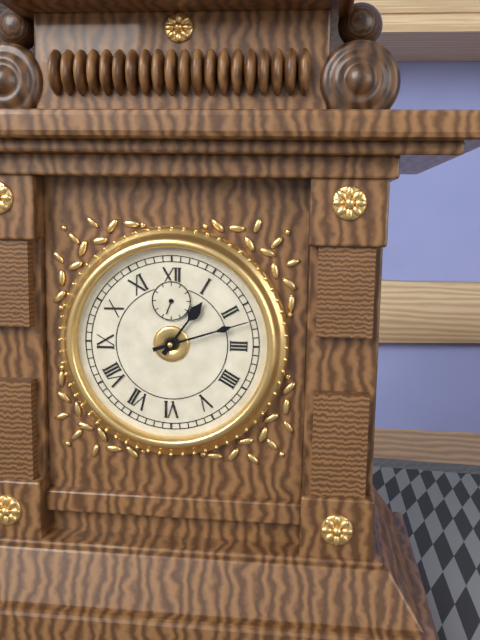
1:12
